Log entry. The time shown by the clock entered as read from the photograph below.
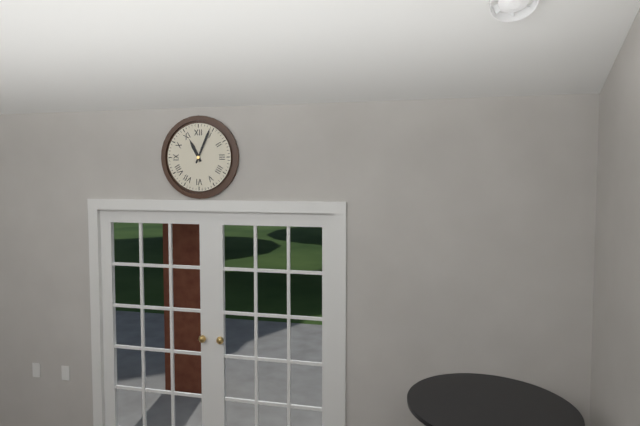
11:04
